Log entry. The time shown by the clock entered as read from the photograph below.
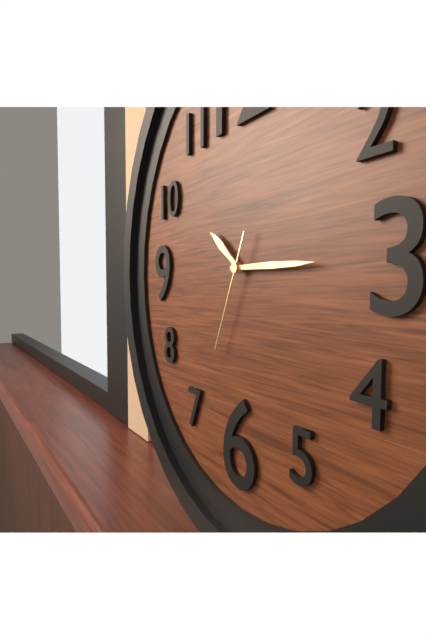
10:15:34
